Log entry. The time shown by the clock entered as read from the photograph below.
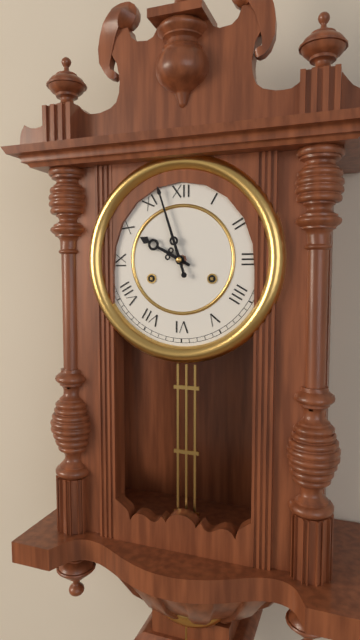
9:57
